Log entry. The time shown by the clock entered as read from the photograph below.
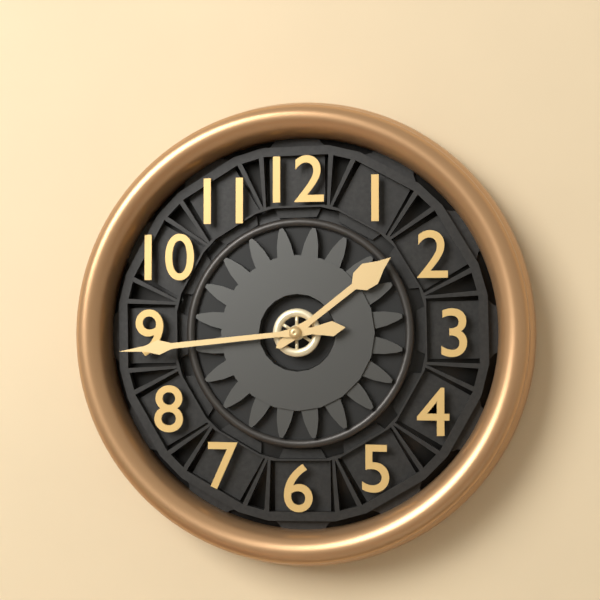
1:44
